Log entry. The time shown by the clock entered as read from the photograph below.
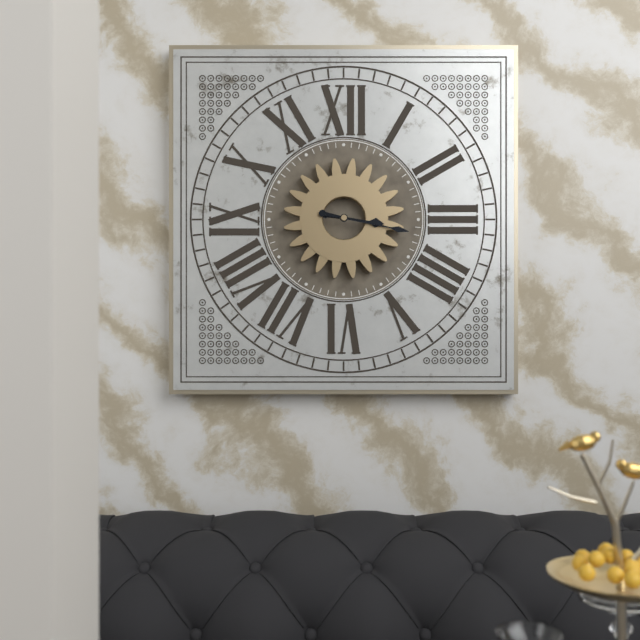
3:17
